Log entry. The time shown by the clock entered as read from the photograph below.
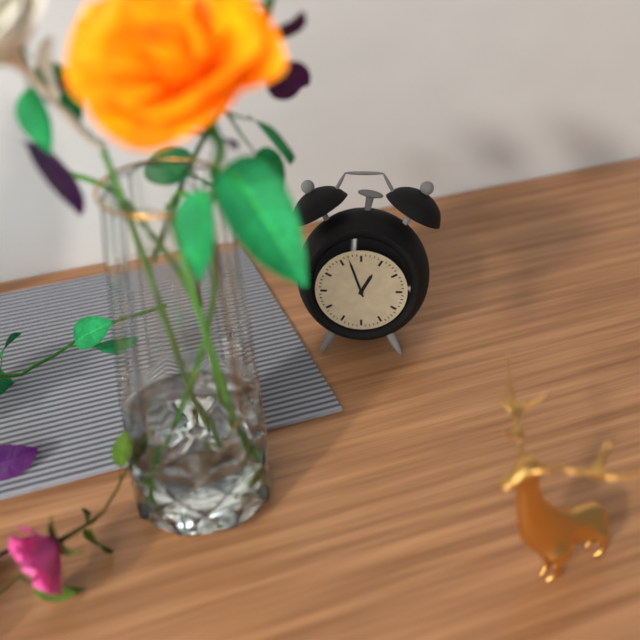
12:57
